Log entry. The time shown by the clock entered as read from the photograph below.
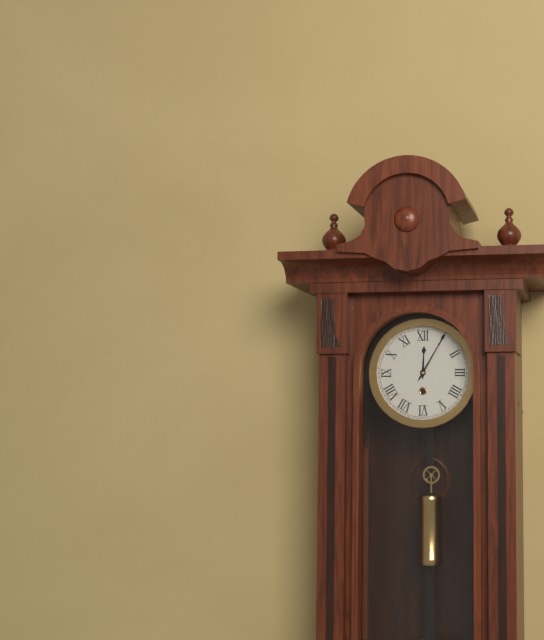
12:05
